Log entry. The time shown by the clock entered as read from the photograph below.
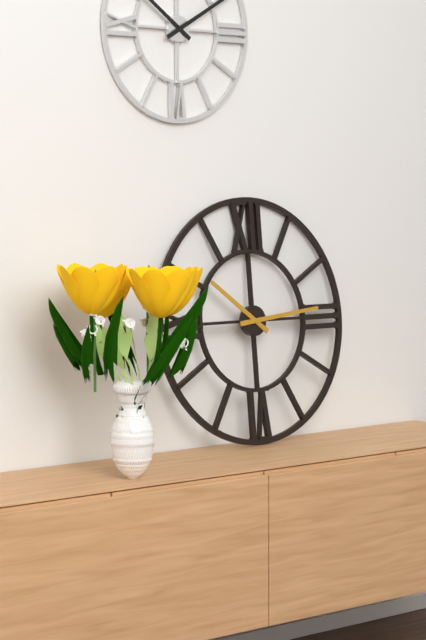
10:14
